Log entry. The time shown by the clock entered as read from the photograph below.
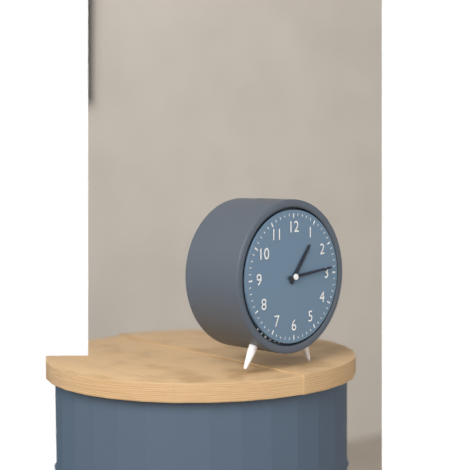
1:14
